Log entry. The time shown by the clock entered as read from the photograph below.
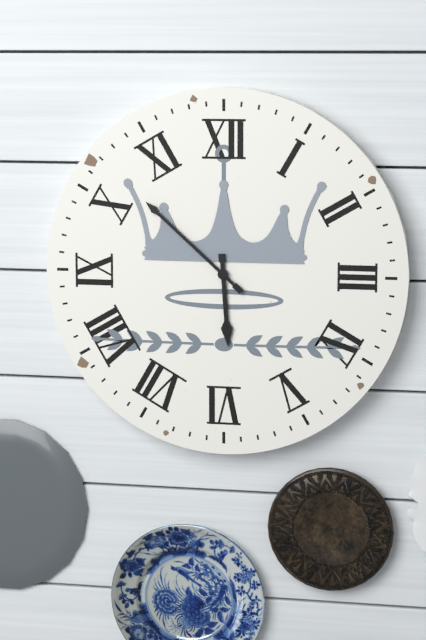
5:52
